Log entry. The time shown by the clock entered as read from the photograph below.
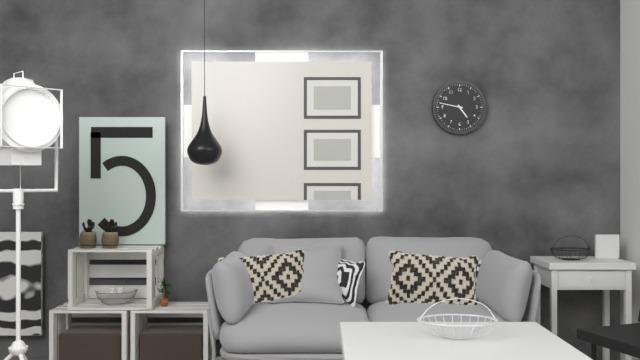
4:47
